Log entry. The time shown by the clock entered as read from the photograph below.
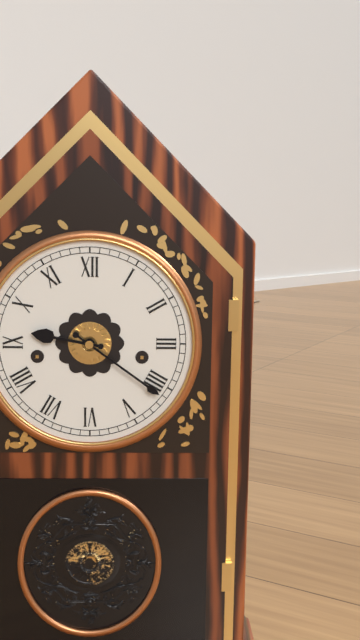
9:21
